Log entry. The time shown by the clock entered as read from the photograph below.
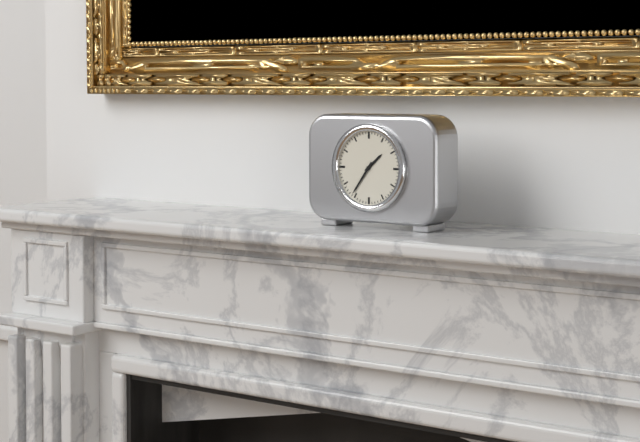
1:36
